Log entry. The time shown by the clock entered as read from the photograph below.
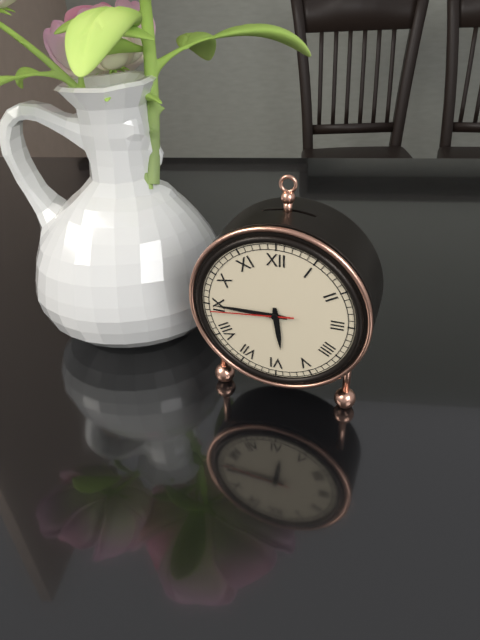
5:45:44
